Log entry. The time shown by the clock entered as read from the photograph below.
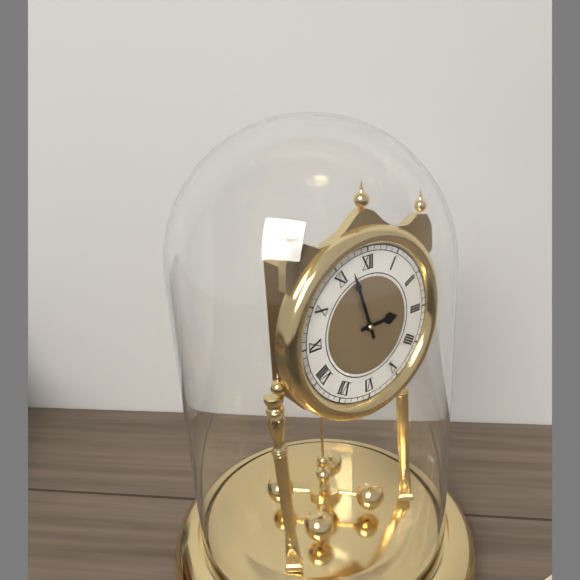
2:57
